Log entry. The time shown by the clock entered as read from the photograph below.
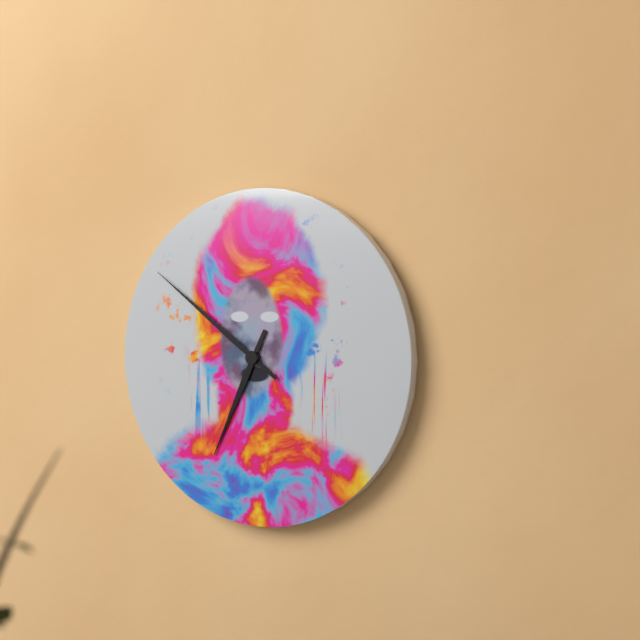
6:51
